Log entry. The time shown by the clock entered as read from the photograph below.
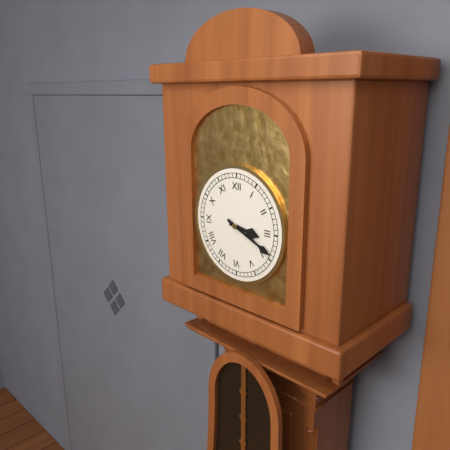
3:19
